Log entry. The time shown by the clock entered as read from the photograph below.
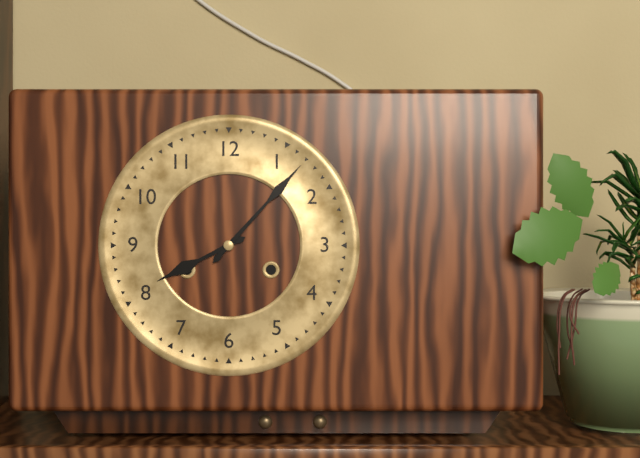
8:07
